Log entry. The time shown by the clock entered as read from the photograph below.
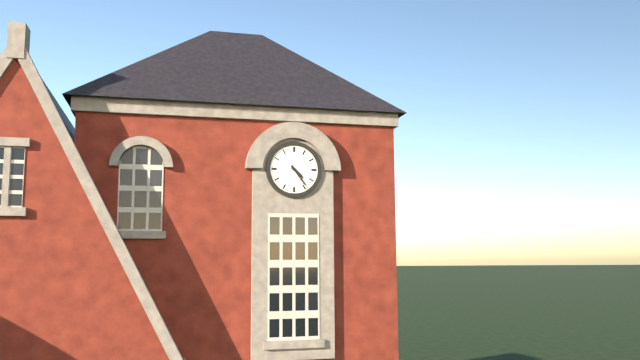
4:24
